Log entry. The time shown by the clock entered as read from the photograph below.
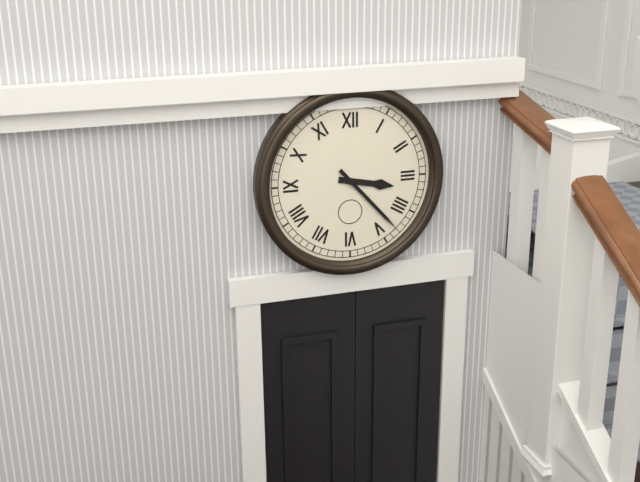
3:23
